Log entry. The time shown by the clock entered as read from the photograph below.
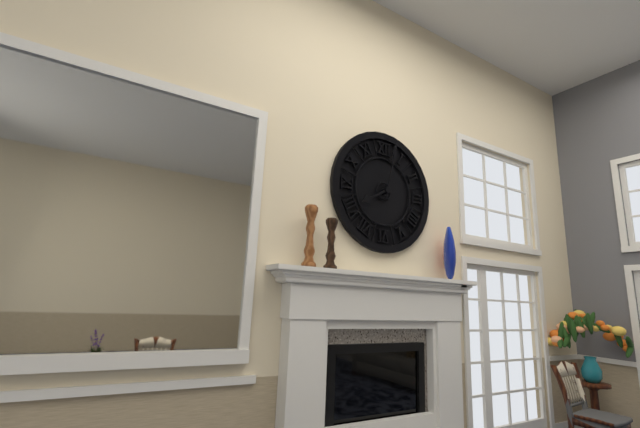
8:02
